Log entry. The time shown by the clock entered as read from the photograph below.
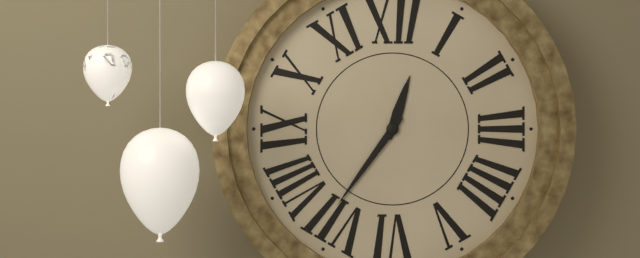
12:36
